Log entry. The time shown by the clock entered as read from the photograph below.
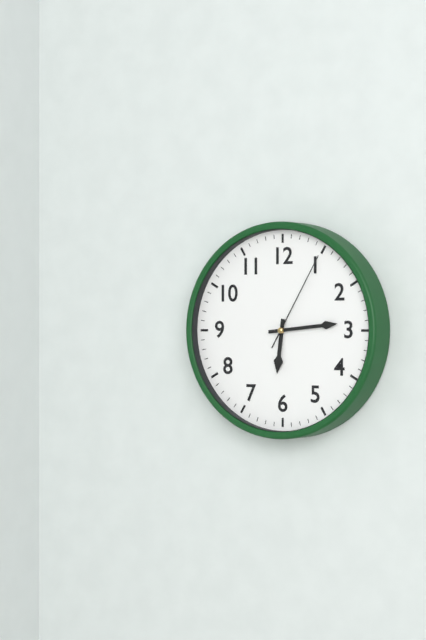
6:14:05
